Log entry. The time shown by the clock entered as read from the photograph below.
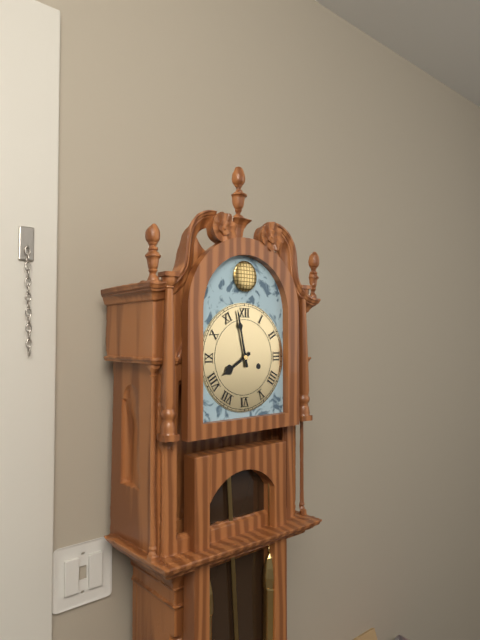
7:58
